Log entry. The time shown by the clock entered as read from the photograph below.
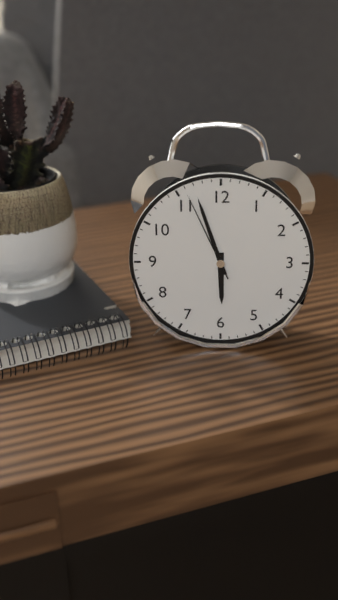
5:57:56
